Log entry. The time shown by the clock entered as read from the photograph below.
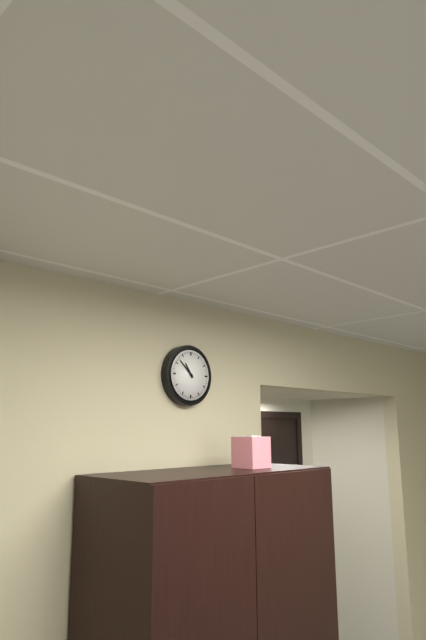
10:52
